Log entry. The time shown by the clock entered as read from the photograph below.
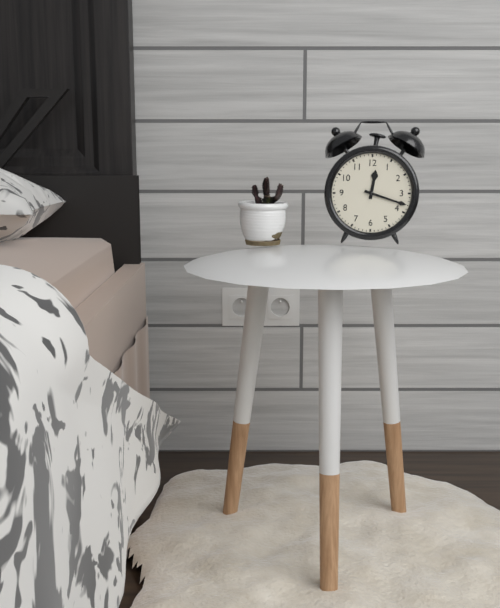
12:18
